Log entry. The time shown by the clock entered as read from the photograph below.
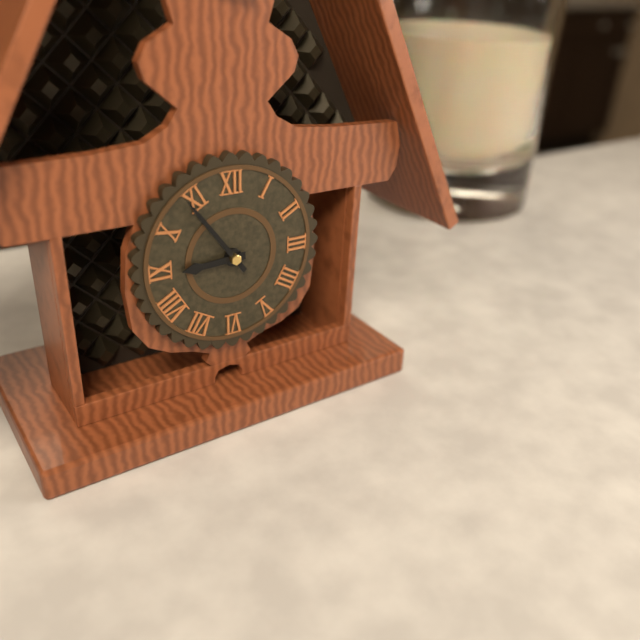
8:54
